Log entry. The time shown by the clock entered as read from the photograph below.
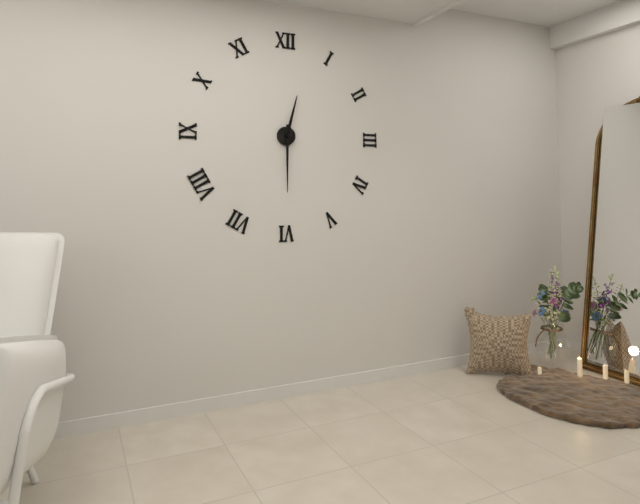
12:30
